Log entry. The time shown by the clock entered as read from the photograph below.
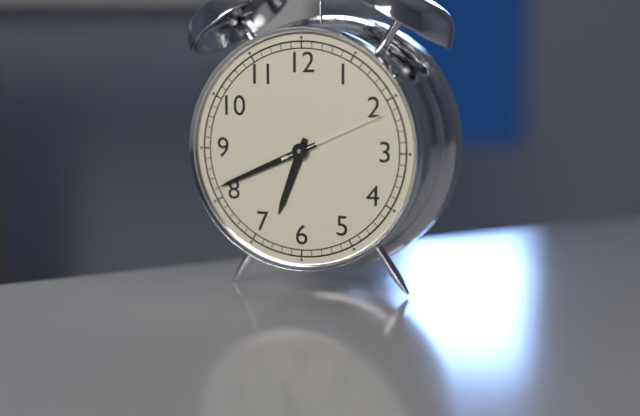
6:41:11
